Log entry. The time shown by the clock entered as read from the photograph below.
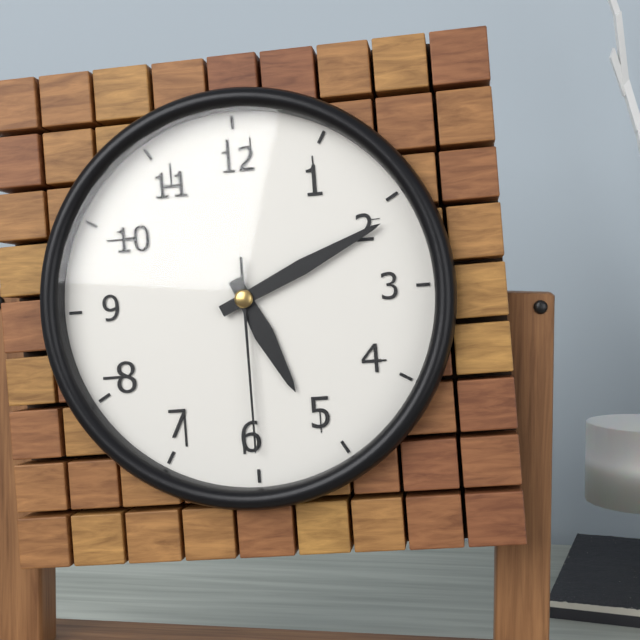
5:11:30
